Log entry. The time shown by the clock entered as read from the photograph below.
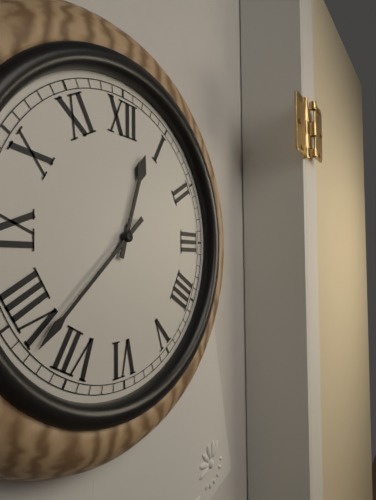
12:38
